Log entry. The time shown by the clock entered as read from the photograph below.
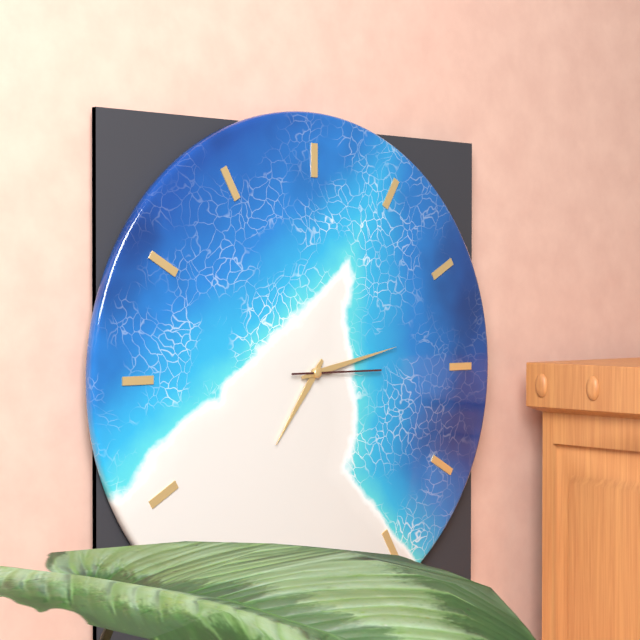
7:13:15
